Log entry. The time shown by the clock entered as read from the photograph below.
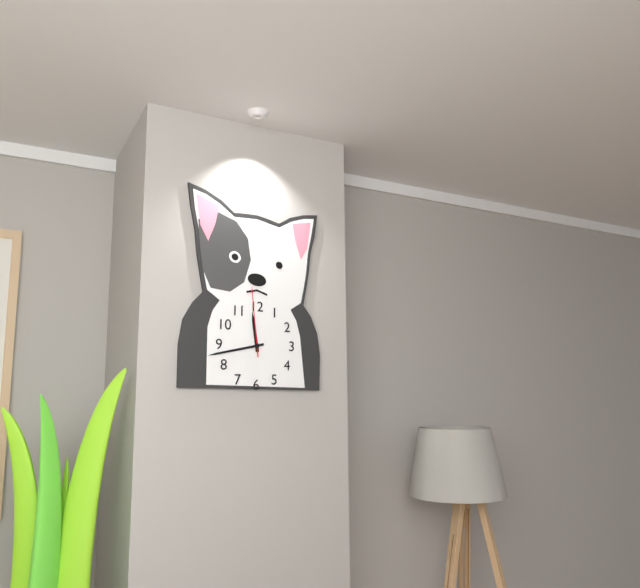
11:43:59
